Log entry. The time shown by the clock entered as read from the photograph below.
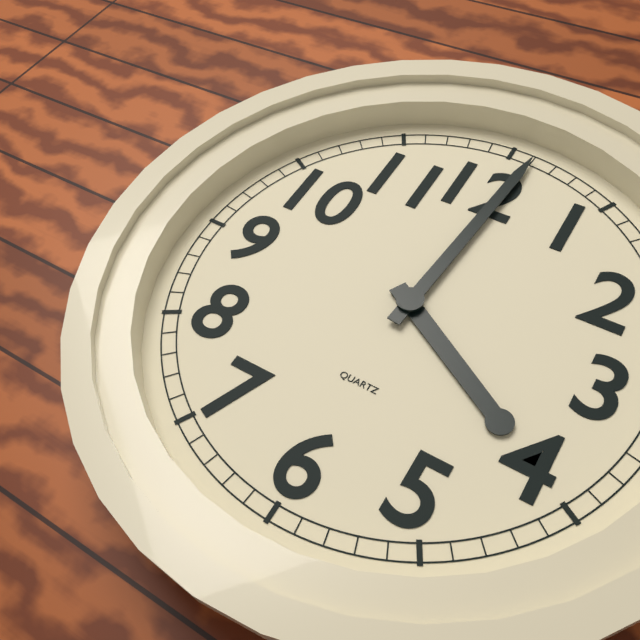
4:01
